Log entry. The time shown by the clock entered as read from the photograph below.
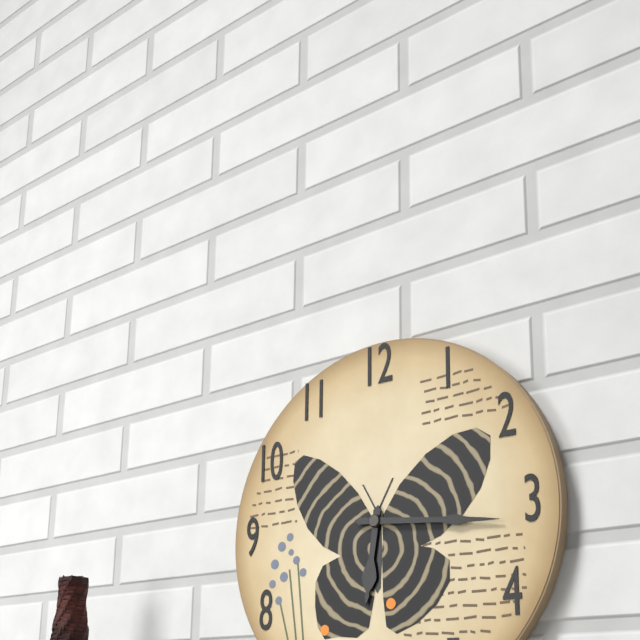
6:16
